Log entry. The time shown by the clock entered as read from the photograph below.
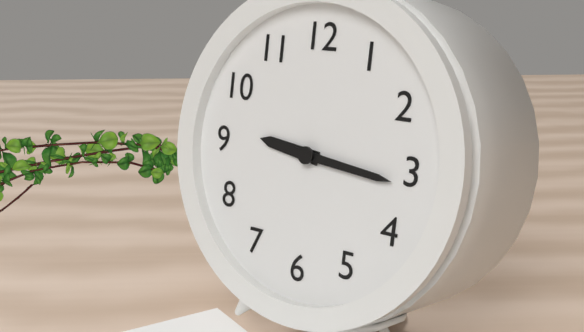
9:16
